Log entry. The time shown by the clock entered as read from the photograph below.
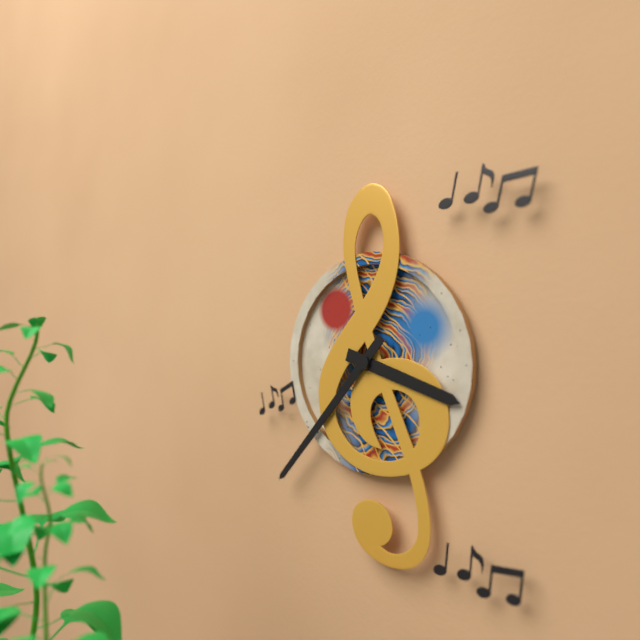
3:37
